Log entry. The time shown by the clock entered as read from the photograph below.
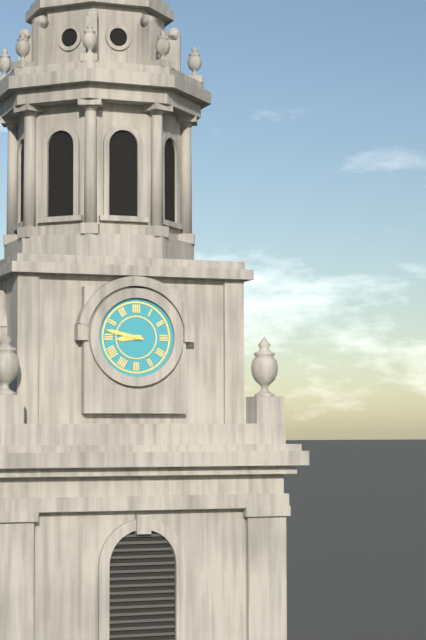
8:47
